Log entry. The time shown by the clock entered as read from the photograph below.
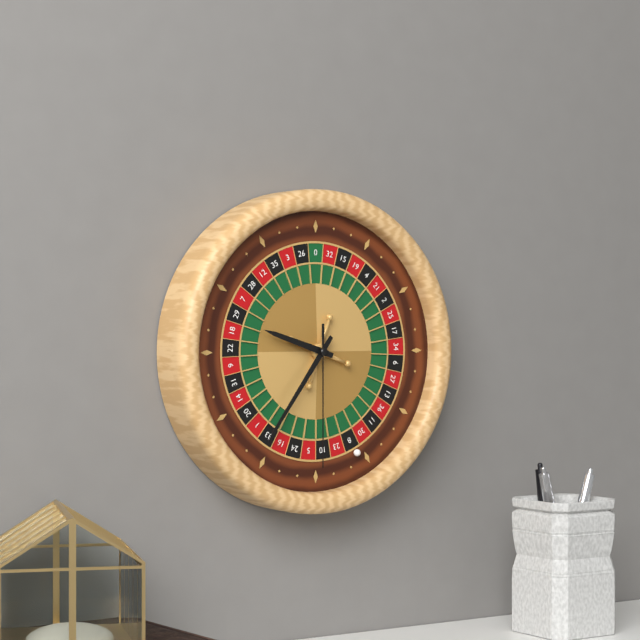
9:36:30
